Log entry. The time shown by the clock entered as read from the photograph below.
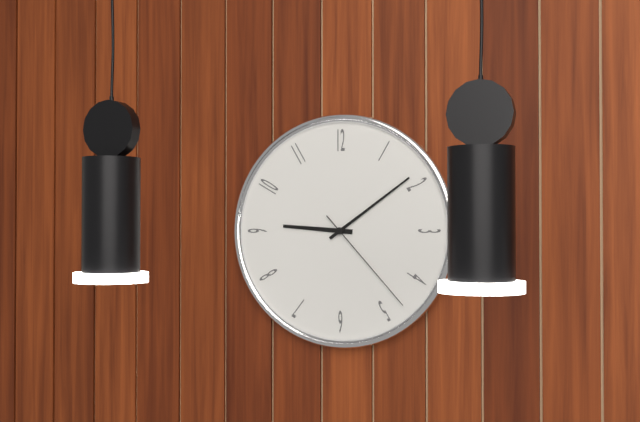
9:09:23
